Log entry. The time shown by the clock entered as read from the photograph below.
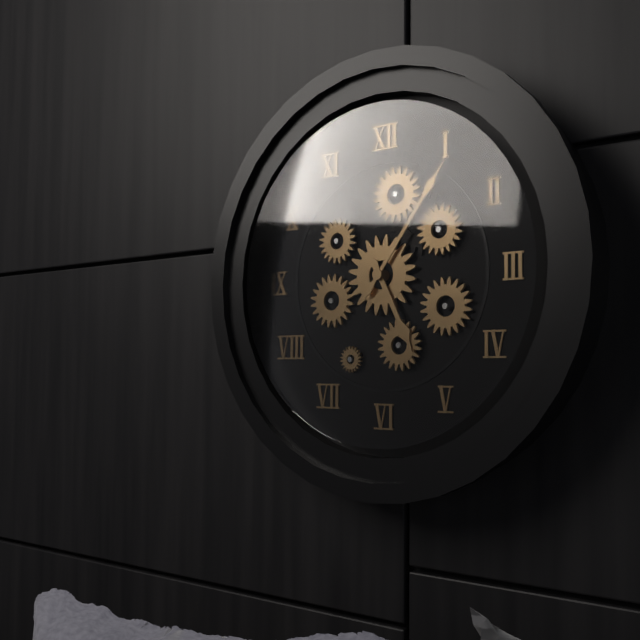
5:06
